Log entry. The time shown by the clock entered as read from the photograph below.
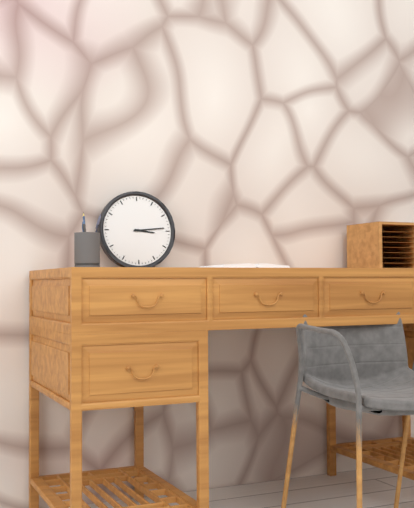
3:14
